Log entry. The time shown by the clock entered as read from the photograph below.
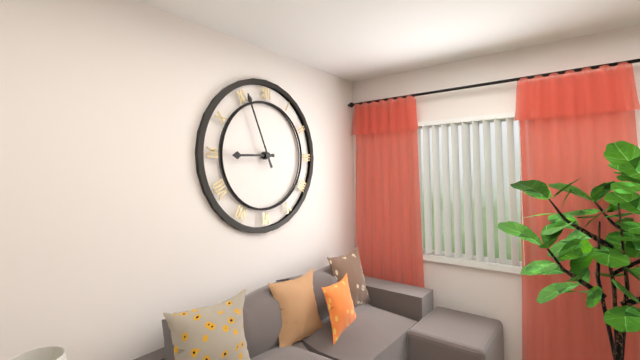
8:56
